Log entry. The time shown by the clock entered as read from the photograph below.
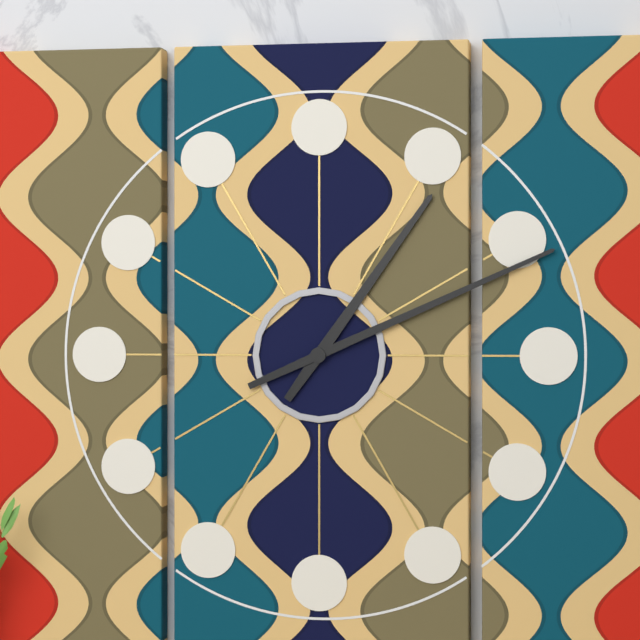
1:11
